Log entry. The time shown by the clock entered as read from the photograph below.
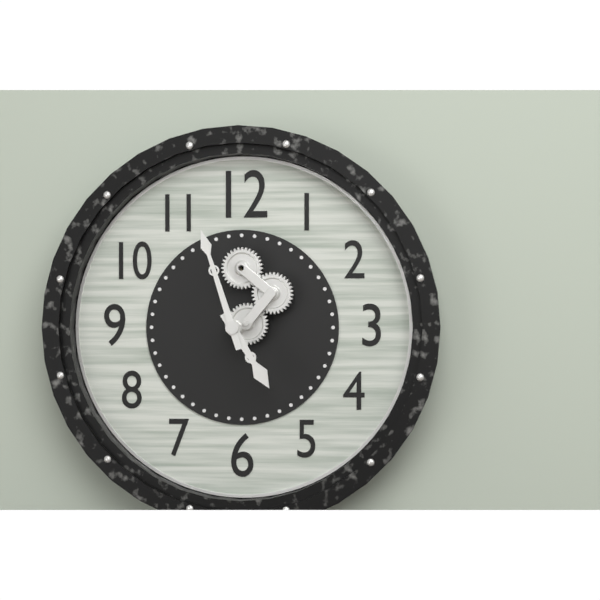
4:57
